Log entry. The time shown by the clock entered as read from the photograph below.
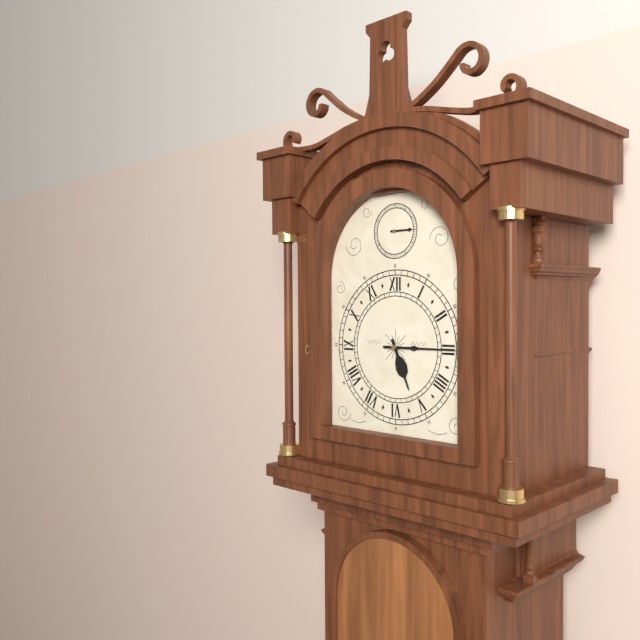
5:15
